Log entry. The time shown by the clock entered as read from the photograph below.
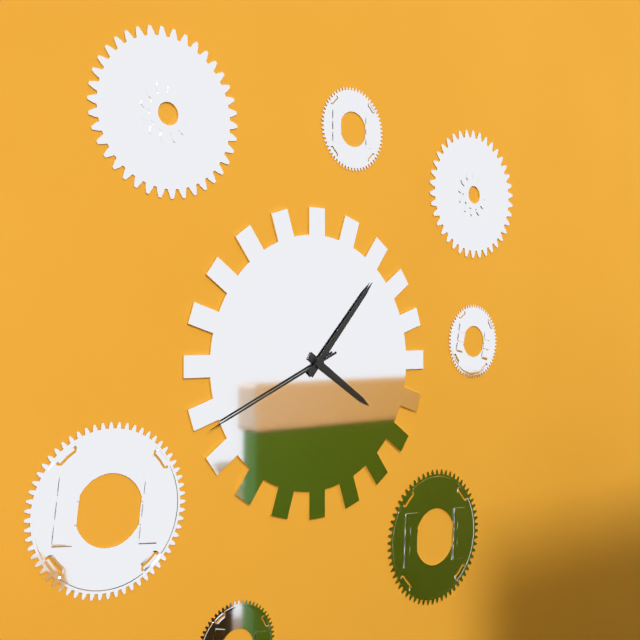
4:07:41
